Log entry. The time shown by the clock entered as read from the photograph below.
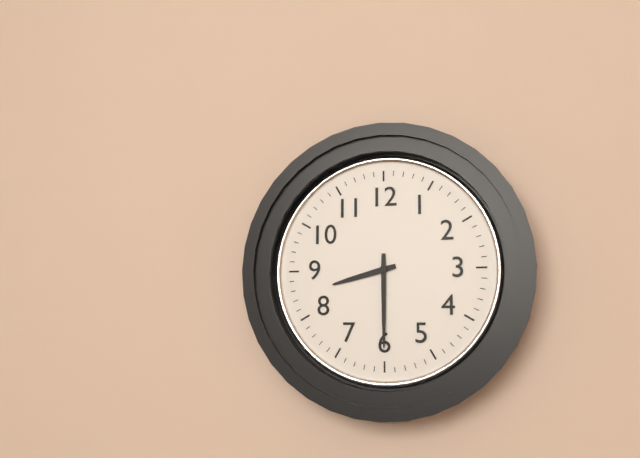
8:30
